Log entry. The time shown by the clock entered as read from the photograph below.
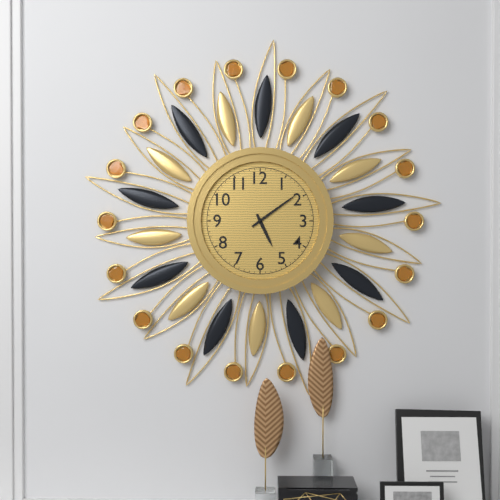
5:09
